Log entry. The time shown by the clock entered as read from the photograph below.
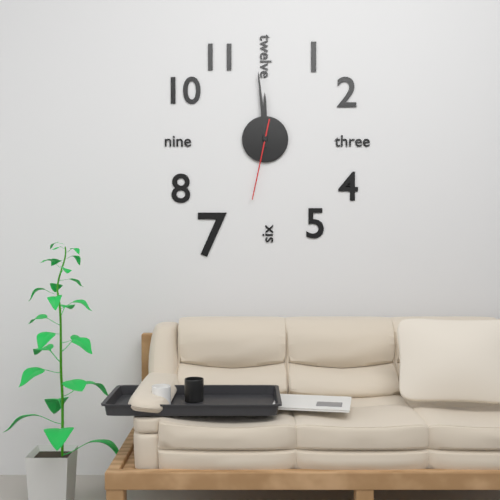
11:59:32
